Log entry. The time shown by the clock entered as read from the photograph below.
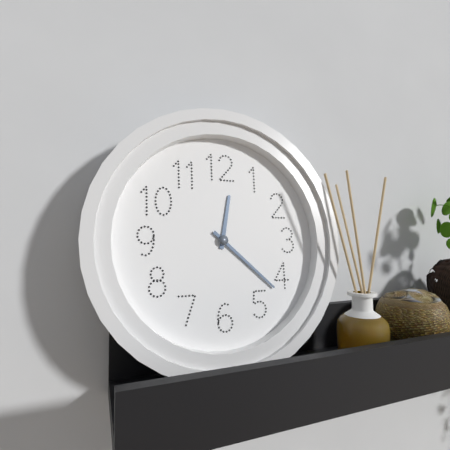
12:22
